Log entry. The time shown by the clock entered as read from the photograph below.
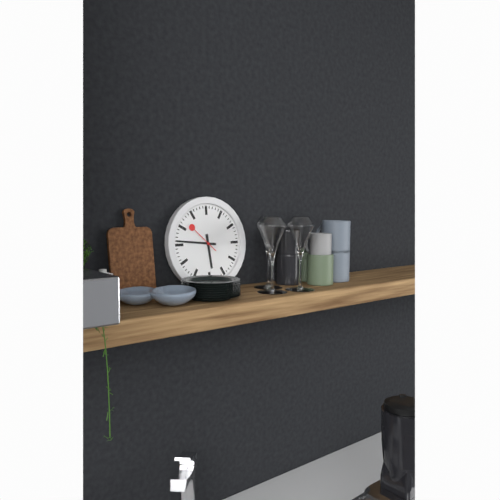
5:46
